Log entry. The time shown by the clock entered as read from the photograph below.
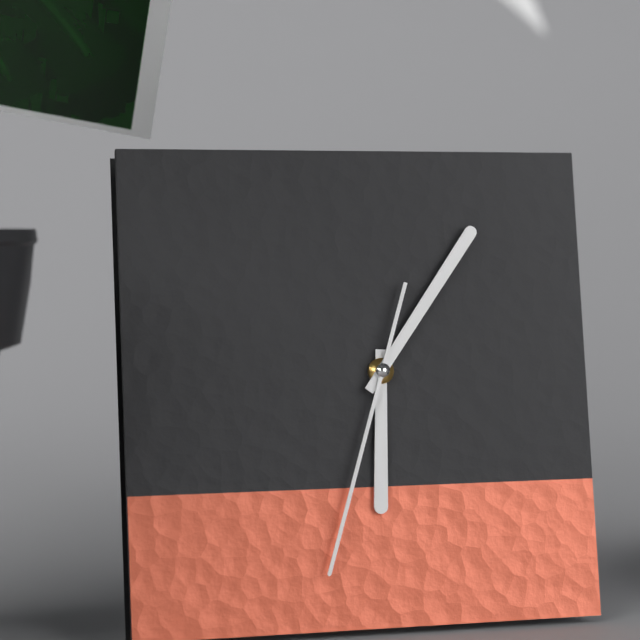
6:06:33
